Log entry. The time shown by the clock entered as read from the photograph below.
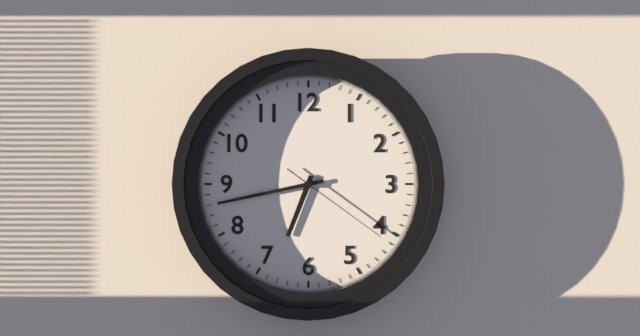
6:43:21
